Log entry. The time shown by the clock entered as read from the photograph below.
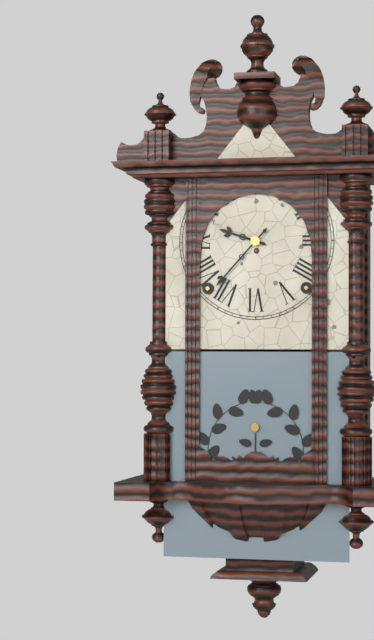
9:37
